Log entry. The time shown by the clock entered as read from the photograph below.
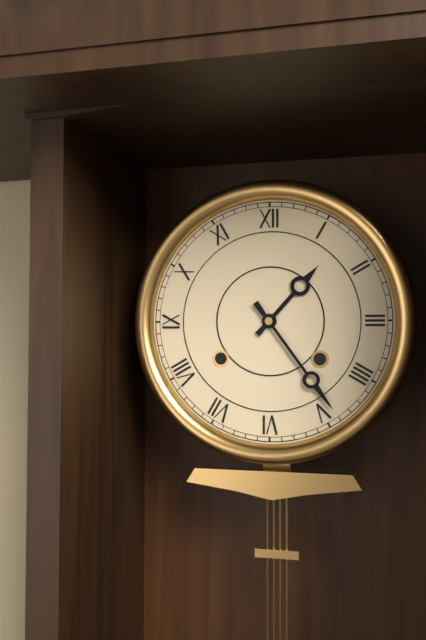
1:24
